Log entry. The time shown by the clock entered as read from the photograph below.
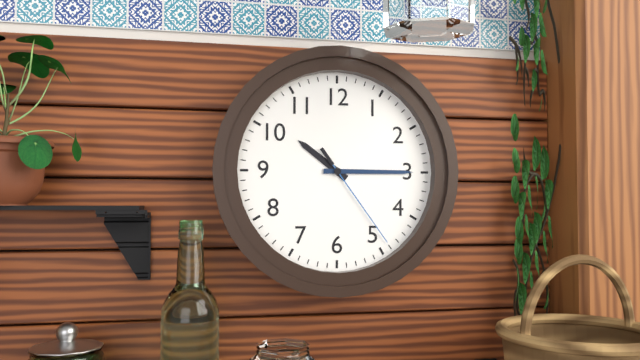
10:15:24
